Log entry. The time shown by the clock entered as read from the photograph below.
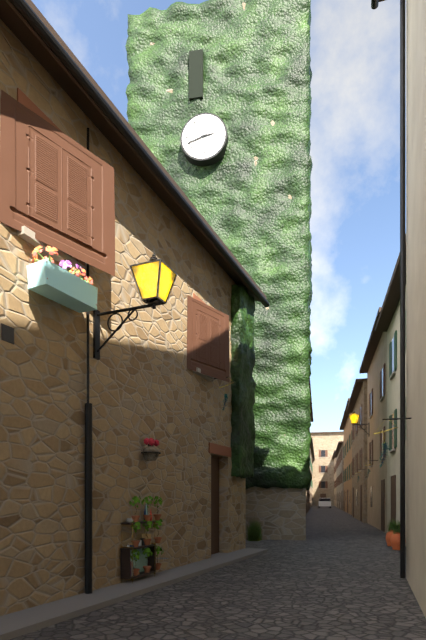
2:42
